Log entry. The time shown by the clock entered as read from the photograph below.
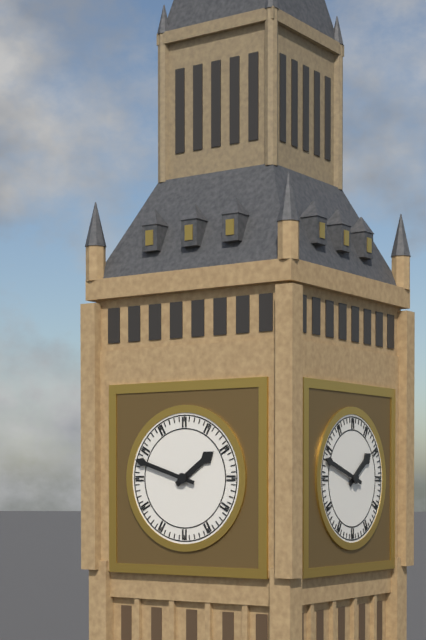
1:48
